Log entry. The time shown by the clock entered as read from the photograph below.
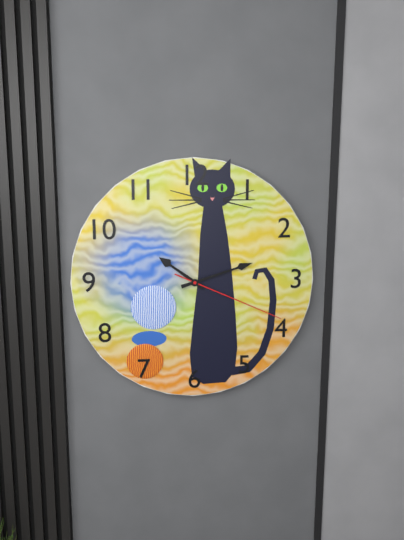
10:12:19
